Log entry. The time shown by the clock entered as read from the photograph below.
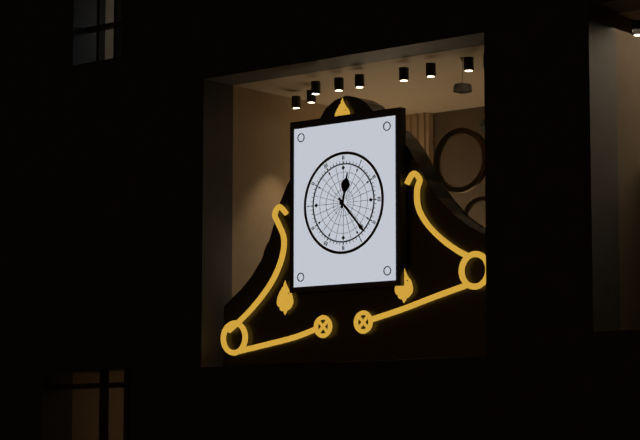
12:23
